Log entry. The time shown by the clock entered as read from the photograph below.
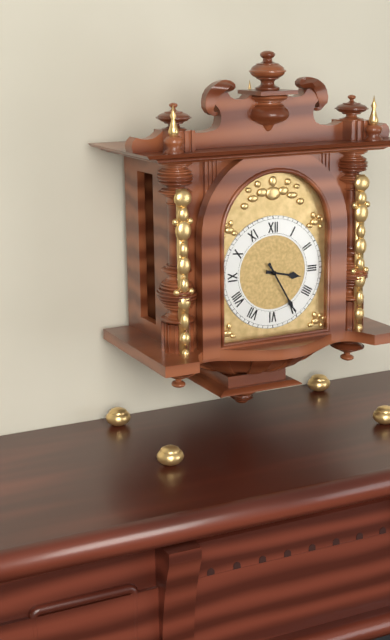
3:25
